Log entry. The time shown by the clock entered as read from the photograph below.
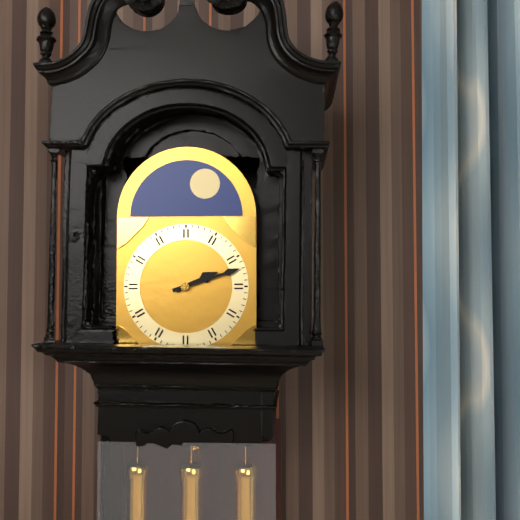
2:12
